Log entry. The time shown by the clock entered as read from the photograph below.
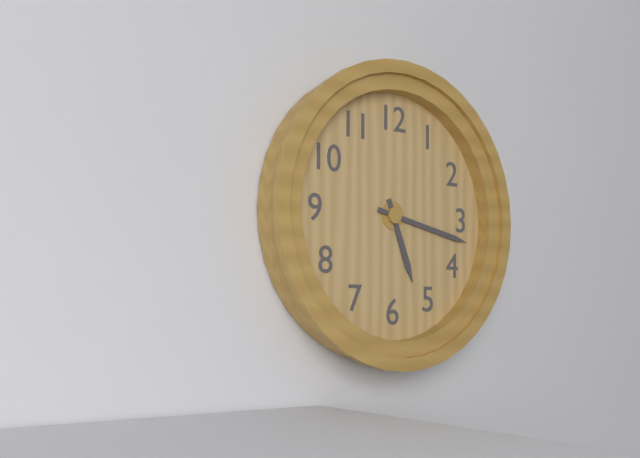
5:17
